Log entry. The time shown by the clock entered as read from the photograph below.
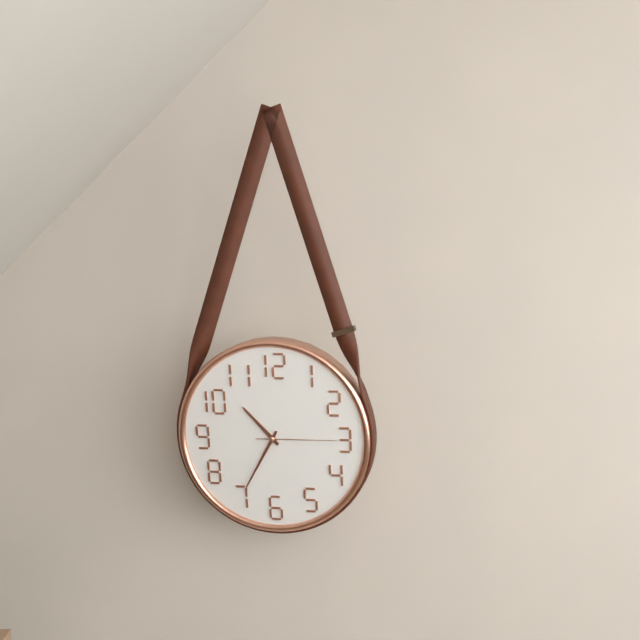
10:35:15
